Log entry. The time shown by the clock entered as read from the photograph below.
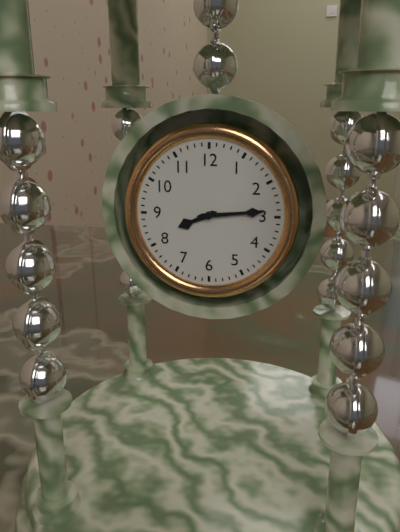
8:14
